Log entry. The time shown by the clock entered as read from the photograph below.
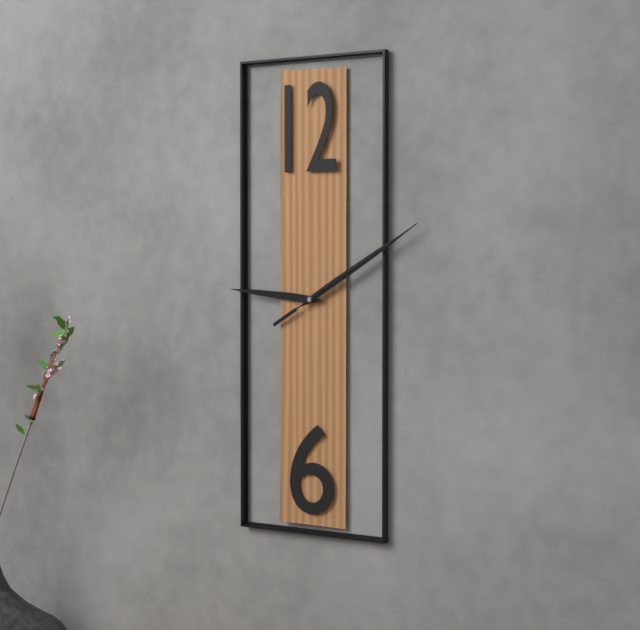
9:10:10
